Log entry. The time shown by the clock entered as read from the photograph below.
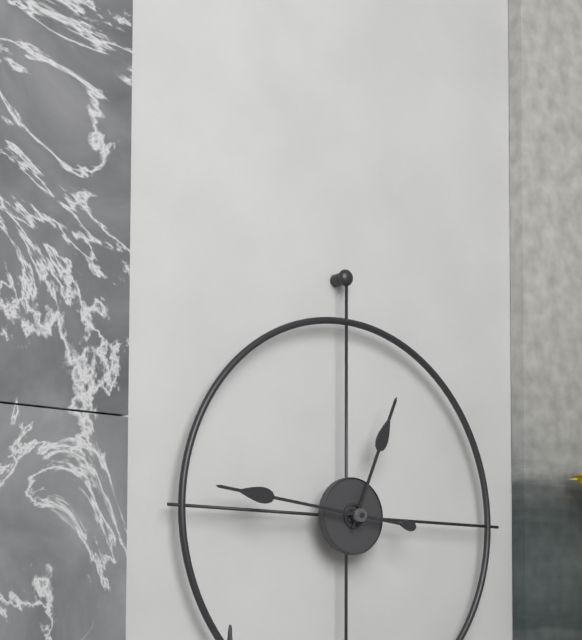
12:46
